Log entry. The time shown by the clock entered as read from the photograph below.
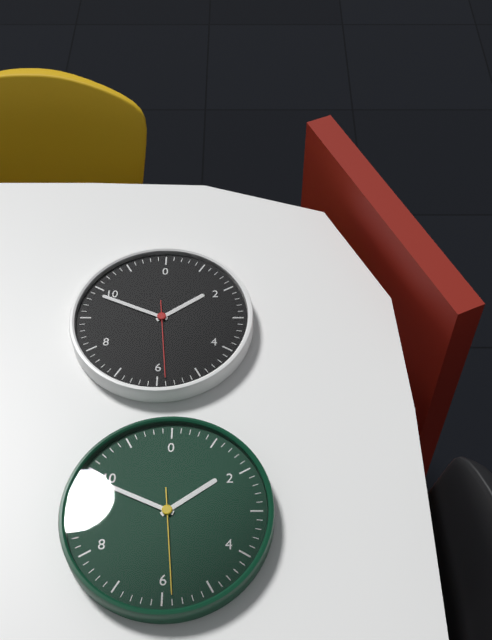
1:49:29
